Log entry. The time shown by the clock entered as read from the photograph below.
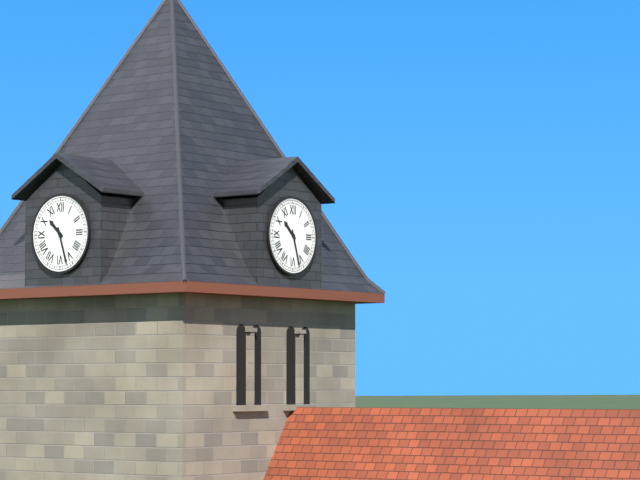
10:27
